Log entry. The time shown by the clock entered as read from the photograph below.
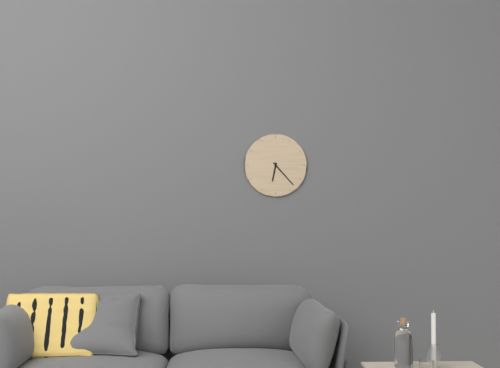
6:23
